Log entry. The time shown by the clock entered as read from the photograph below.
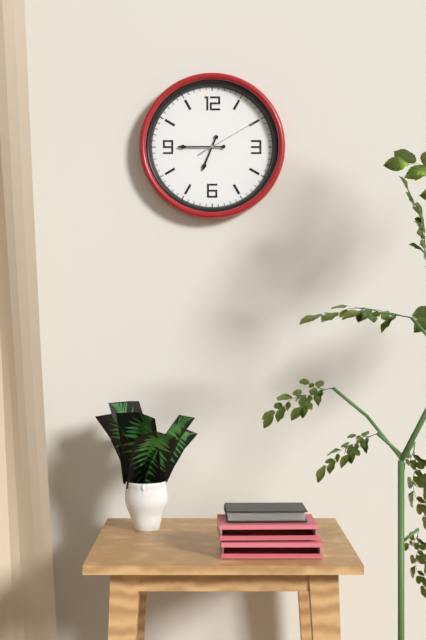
6:45:10
